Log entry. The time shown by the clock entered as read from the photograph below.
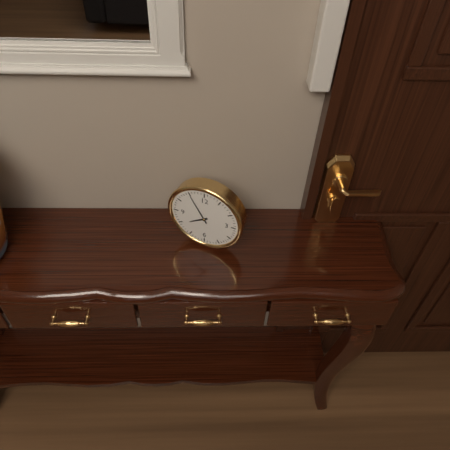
7:55
